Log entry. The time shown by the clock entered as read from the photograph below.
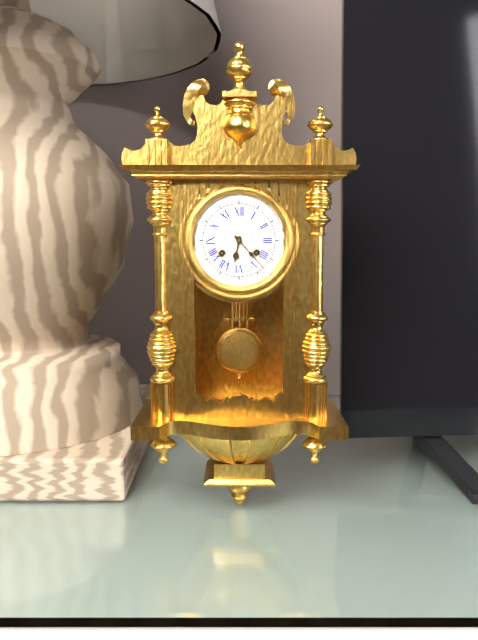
6:23
